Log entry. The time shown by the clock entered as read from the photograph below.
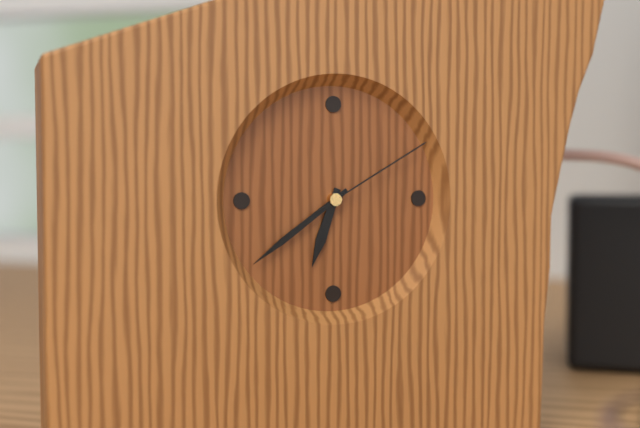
6:39:10
